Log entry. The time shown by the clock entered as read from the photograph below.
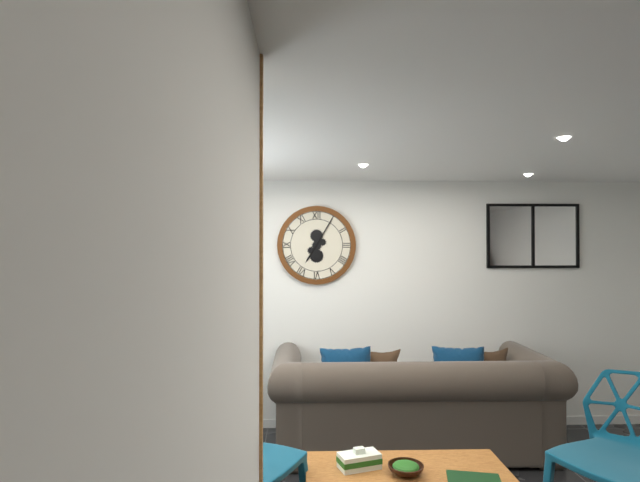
7:05
